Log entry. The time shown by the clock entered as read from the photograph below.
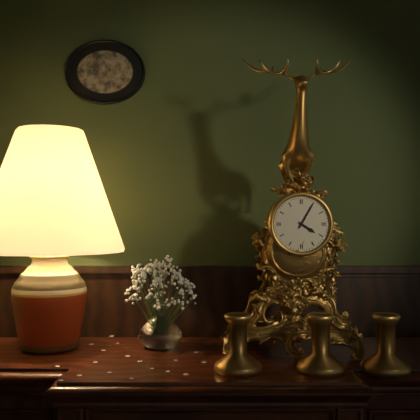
4:05
